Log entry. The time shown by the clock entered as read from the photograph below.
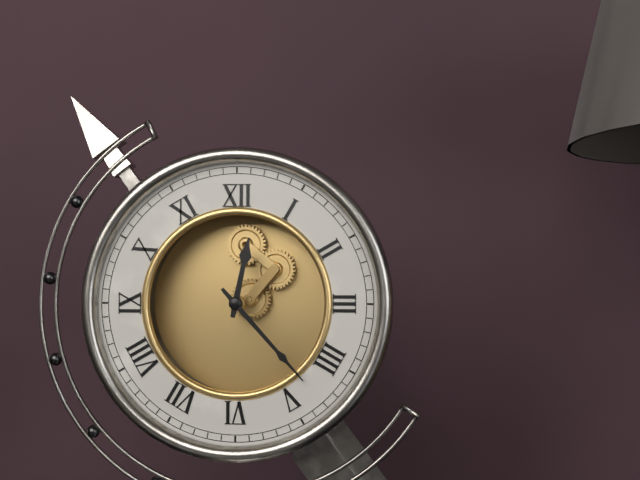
12:23
